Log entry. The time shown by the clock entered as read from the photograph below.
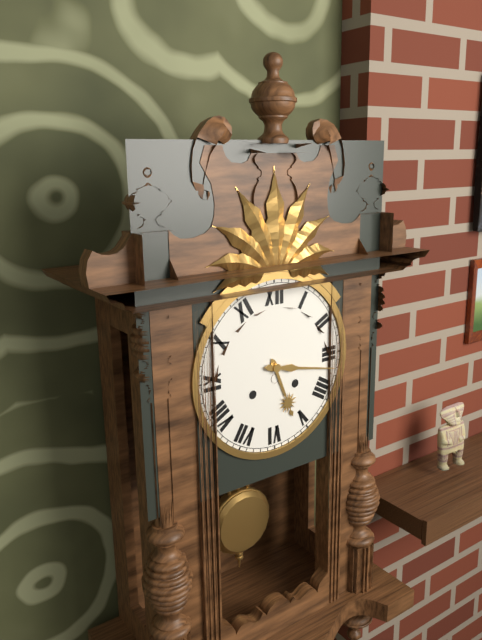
5:17
